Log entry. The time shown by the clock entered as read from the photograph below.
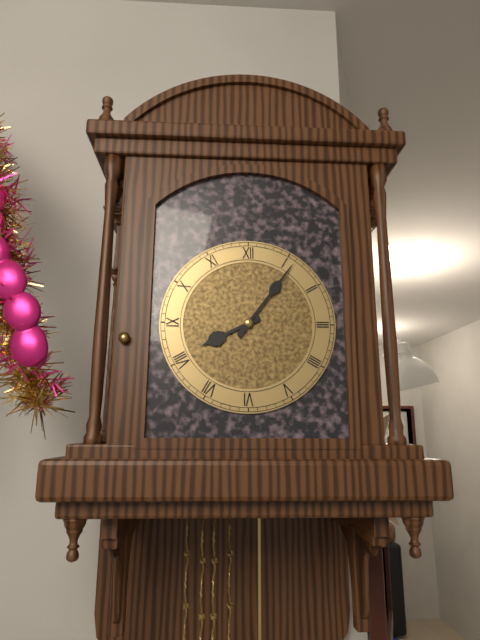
8:06
